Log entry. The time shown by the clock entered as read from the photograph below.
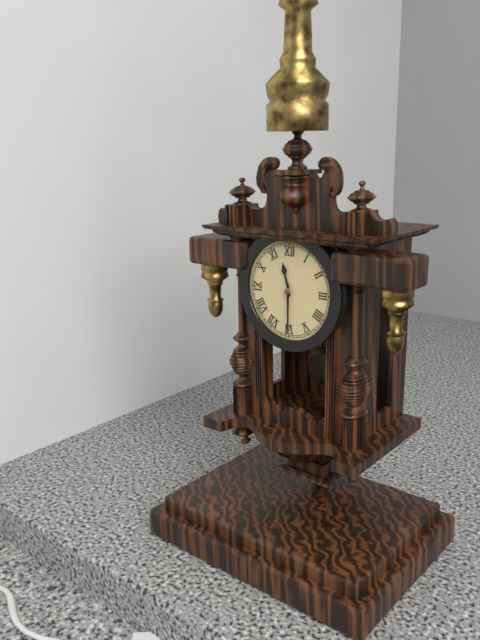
11:30
